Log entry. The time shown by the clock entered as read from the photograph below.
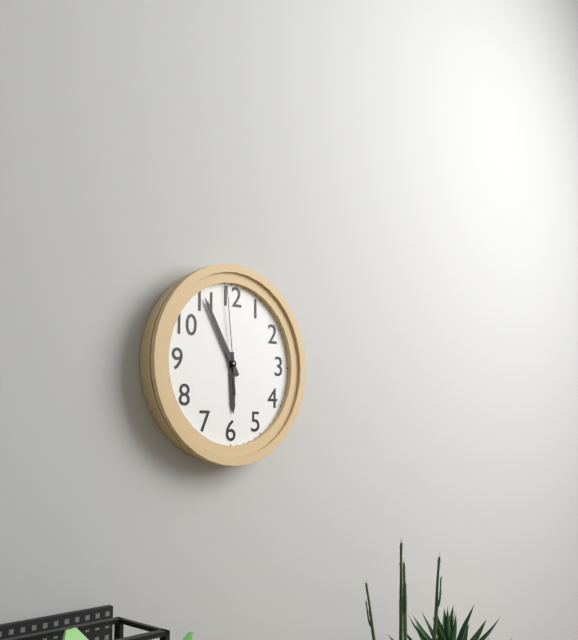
5:55:59
